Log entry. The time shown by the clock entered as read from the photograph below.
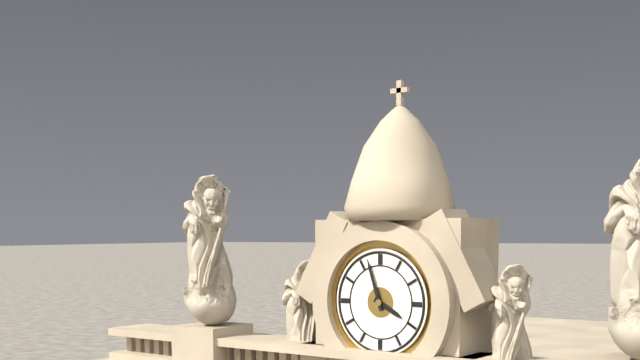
3:57
